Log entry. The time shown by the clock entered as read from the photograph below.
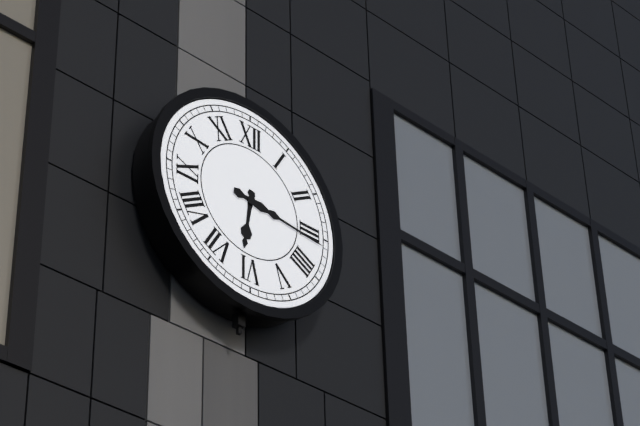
6:16
